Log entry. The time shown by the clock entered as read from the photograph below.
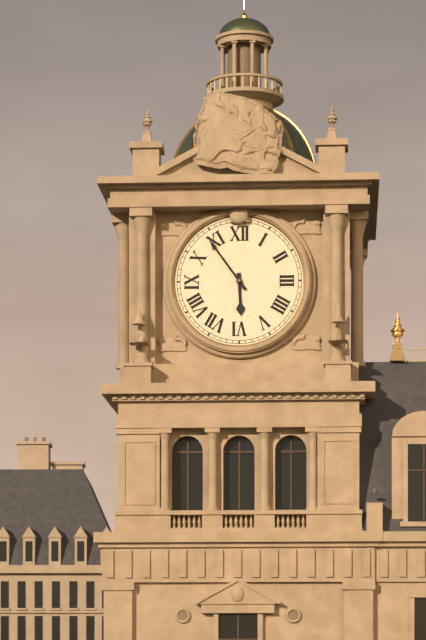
5:54
